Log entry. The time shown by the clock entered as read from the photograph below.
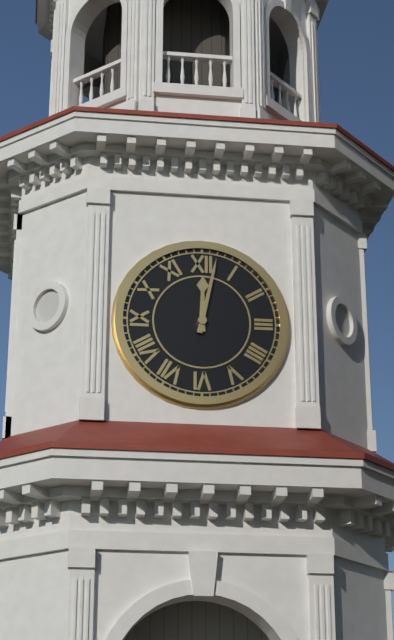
12:02
